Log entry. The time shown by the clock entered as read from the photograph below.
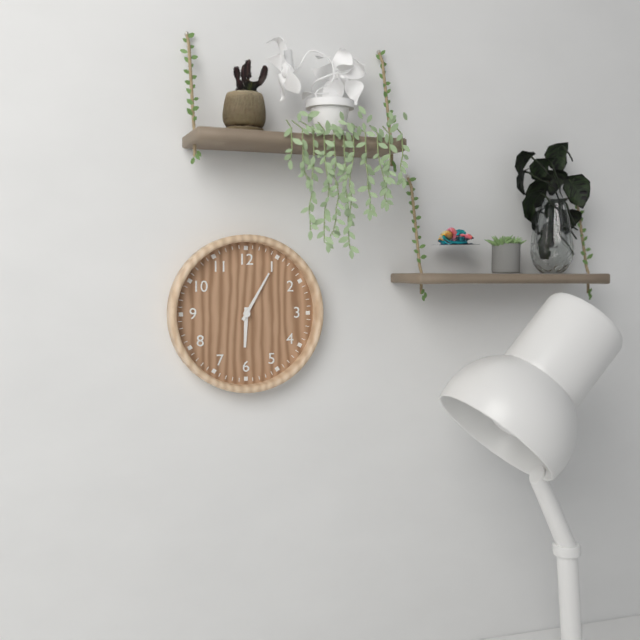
6:05
